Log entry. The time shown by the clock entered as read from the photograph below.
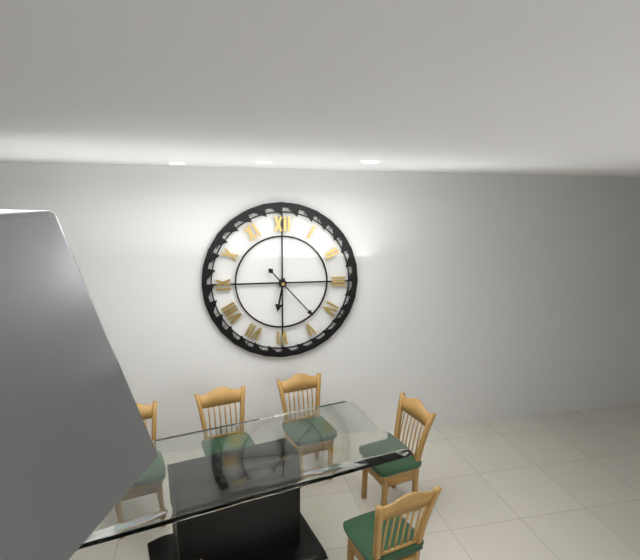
6:23
